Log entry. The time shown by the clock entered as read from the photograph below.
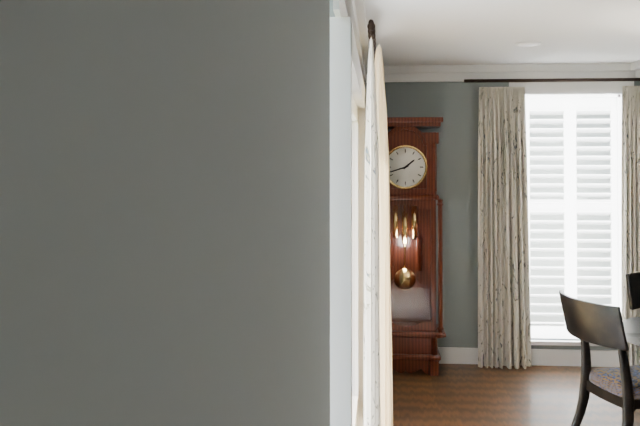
1:42
